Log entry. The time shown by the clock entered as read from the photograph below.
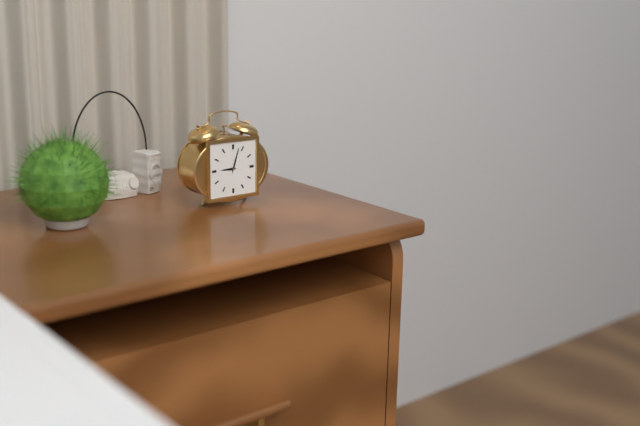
9:03
